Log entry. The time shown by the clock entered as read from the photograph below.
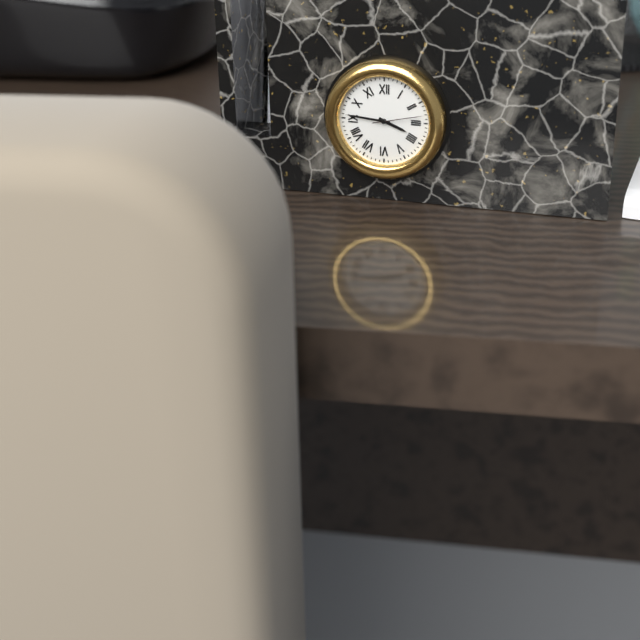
3:46
